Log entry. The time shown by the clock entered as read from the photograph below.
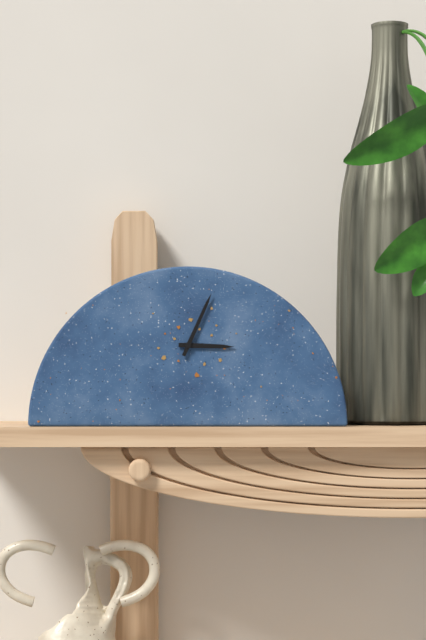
3:04
